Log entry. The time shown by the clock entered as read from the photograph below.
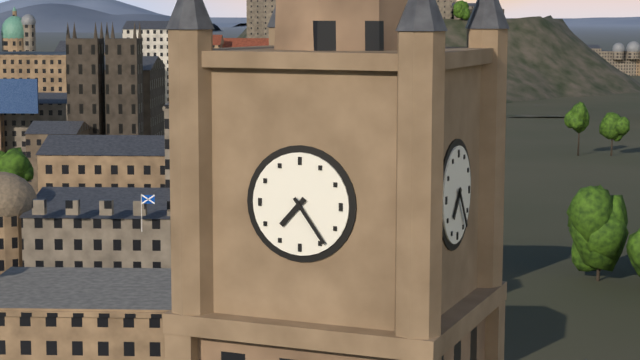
7:24
